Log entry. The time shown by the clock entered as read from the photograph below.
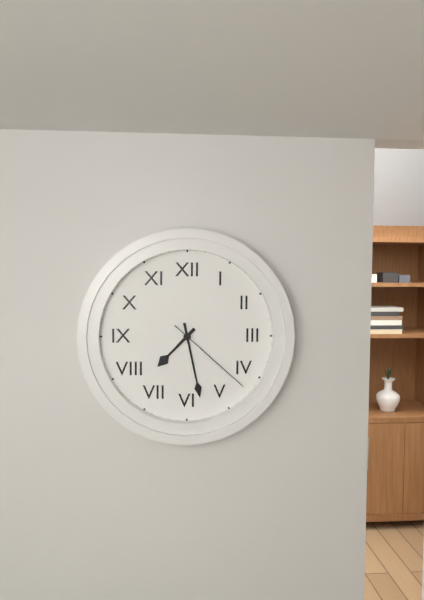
7:28:22
